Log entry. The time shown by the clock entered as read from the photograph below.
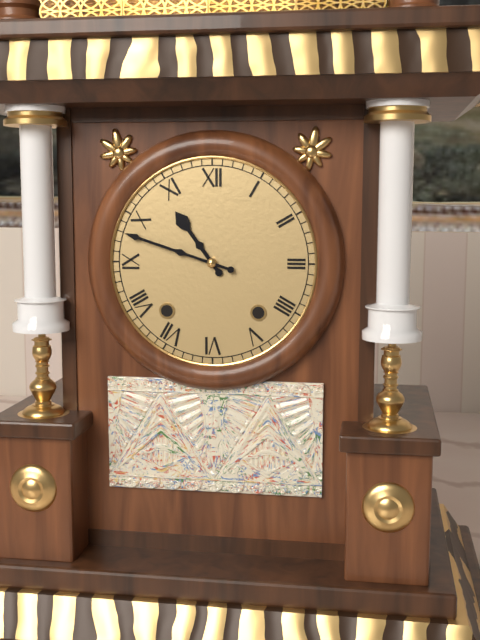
10:48
